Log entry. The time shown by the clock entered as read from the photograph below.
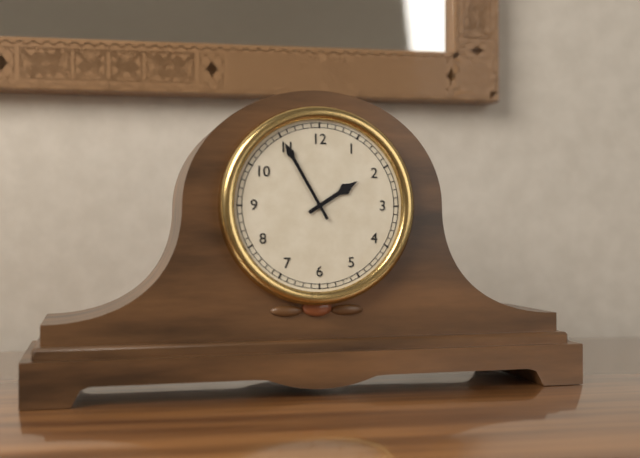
1:55
